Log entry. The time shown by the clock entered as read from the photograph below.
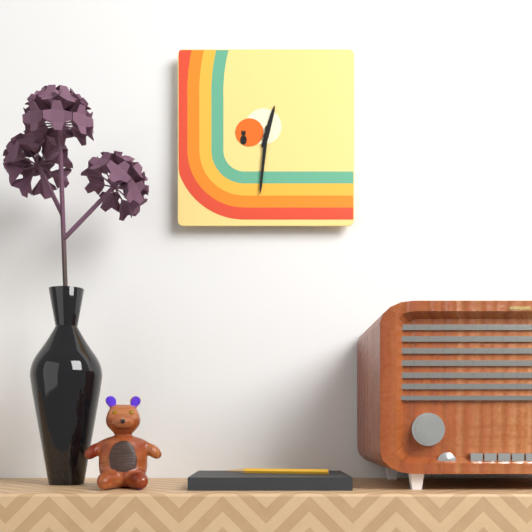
12:31
